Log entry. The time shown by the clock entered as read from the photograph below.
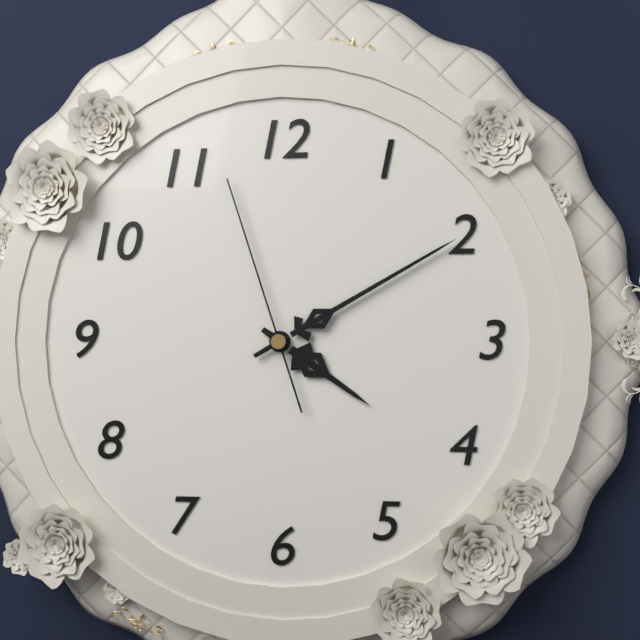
4:10:57
